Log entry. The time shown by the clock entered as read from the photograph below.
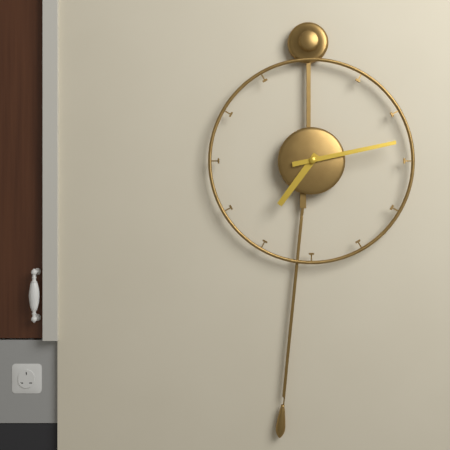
7:13
